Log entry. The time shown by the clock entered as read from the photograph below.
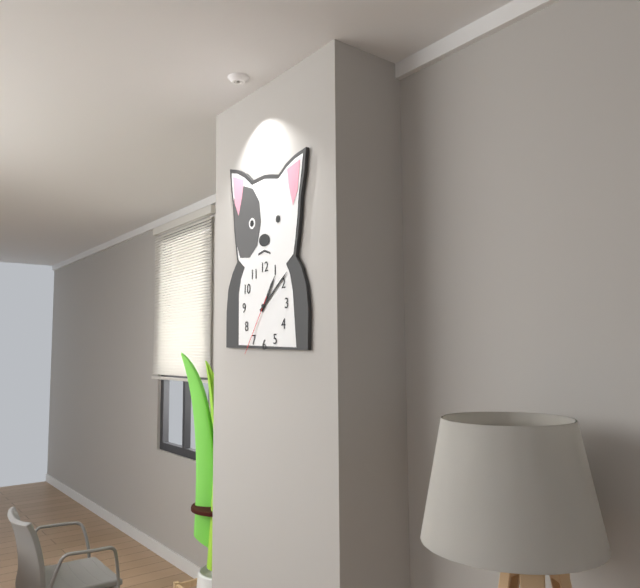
1:09:36
